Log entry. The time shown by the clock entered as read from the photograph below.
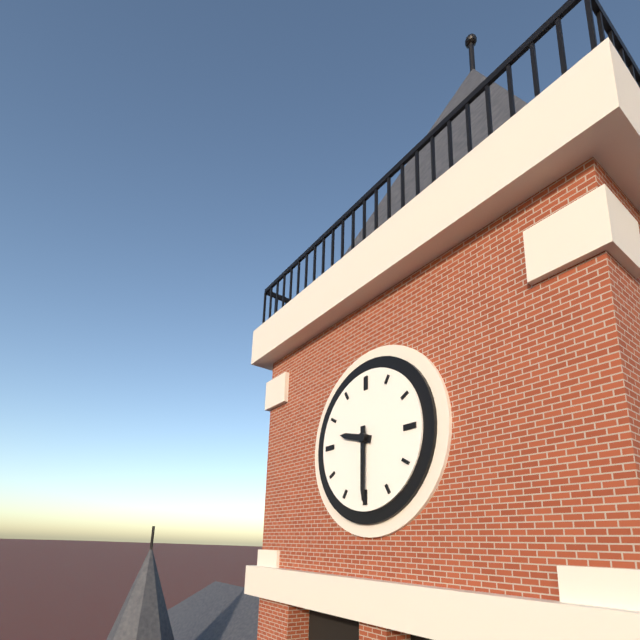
9:30
